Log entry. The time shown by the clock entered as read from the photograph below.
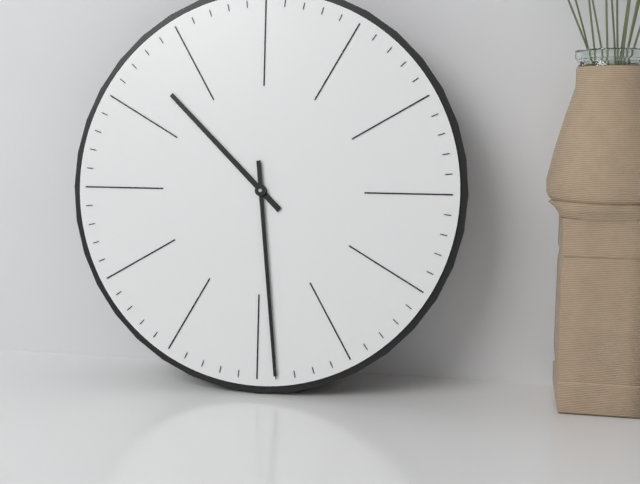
10:29
